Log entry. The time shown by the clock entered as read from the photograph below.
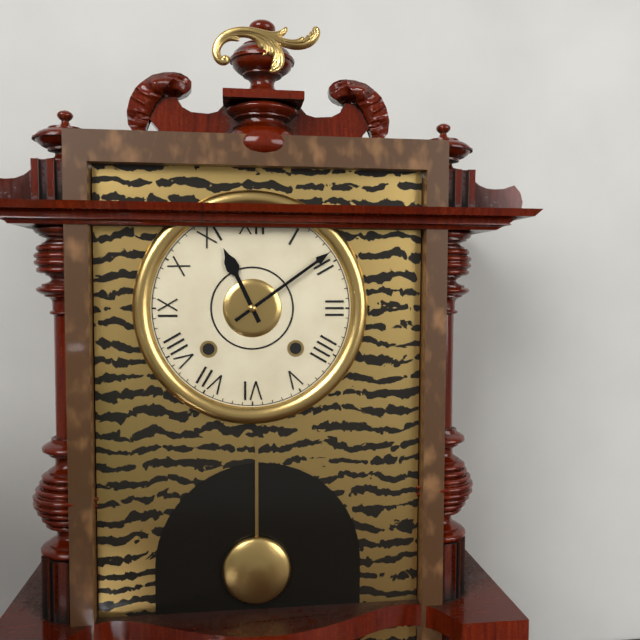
11:09
